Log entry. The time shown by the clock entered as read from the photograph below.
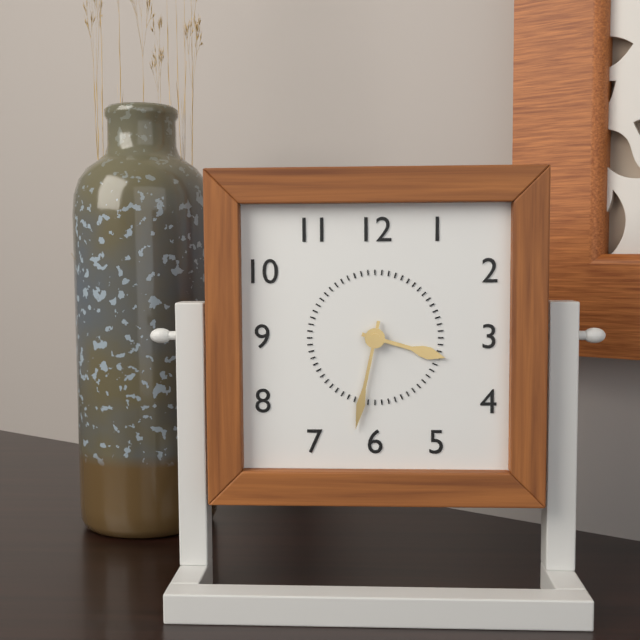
3:32
